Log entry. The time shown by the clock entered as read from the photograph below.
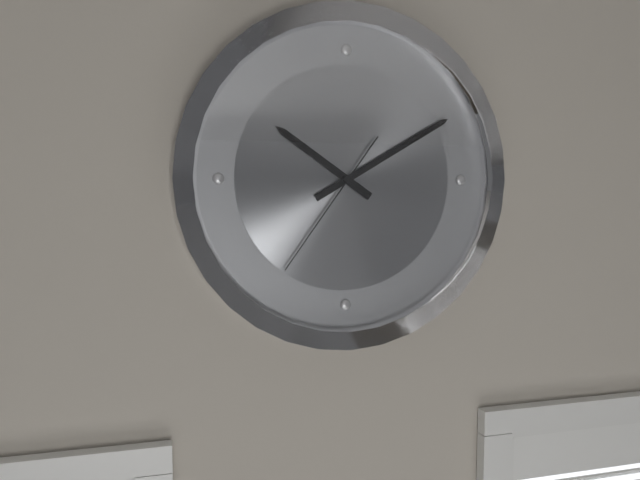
10:10:36
